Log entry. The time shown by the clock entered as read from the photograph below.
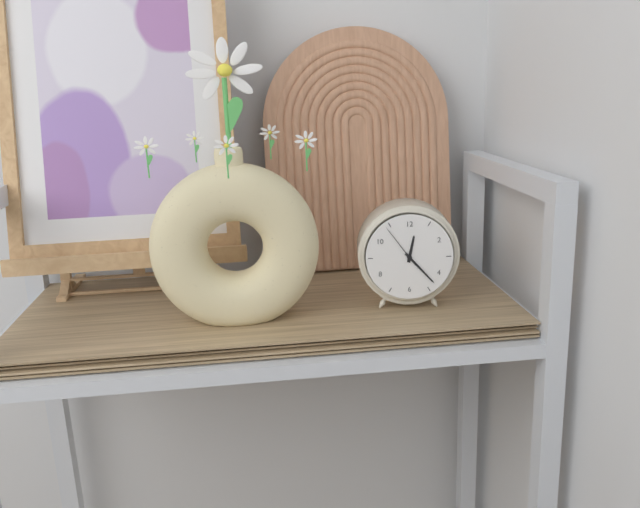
12:23
